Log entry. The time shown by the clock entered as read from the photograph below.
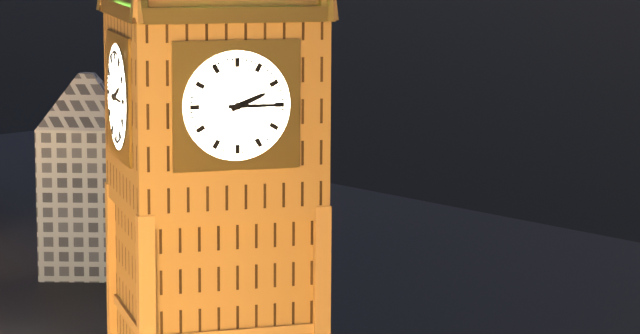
2:15
